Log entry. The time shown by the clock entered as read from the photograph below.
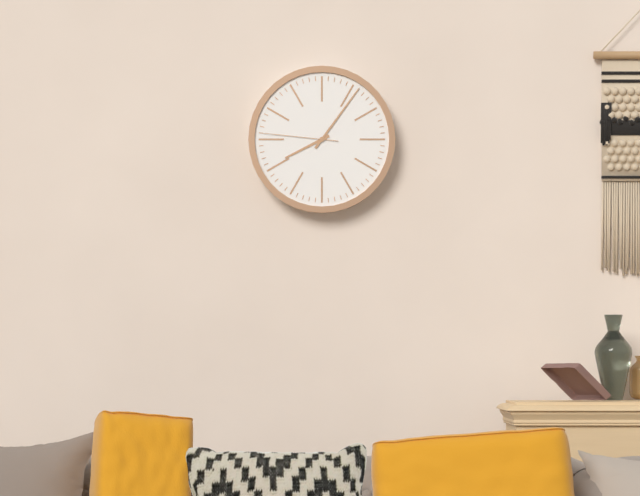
8:06:46
